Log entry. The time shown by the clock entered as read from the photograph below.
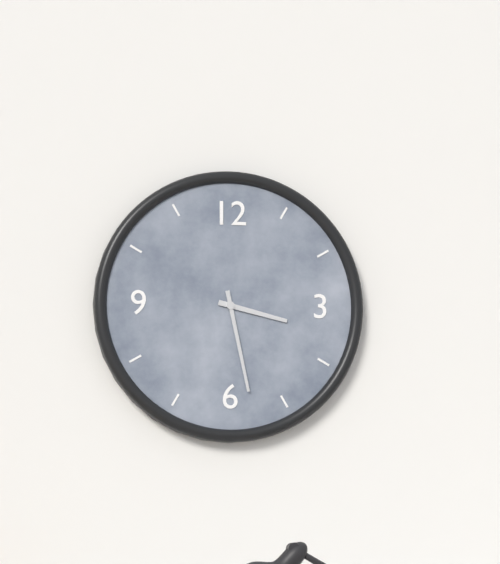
3:28
